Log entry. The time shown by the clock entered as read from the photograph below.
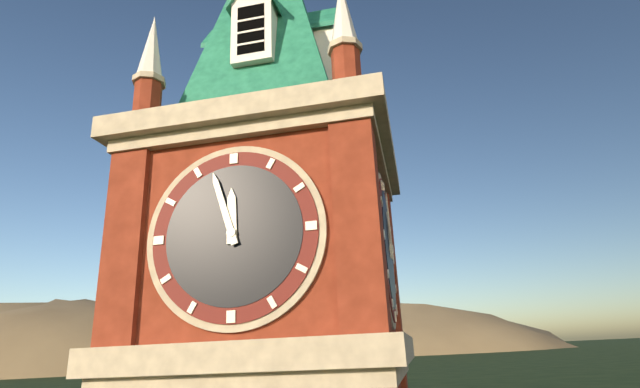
11:57
